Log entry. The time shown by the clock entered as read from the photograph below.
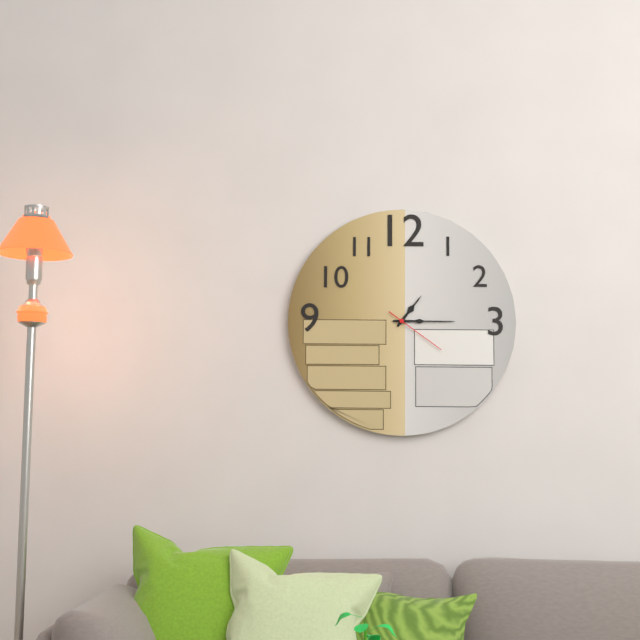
1:15:21
